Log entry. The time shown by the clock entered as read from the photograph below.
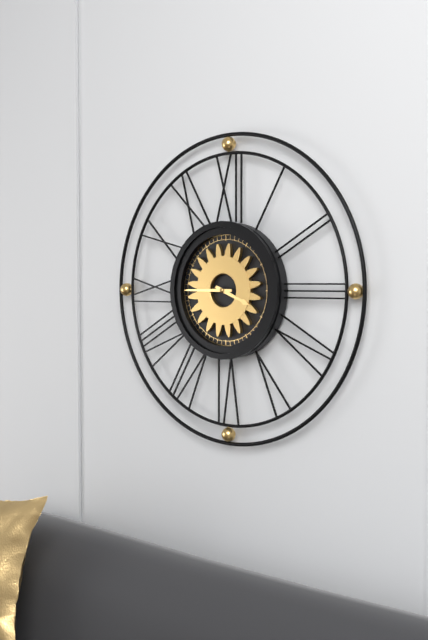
3:45
